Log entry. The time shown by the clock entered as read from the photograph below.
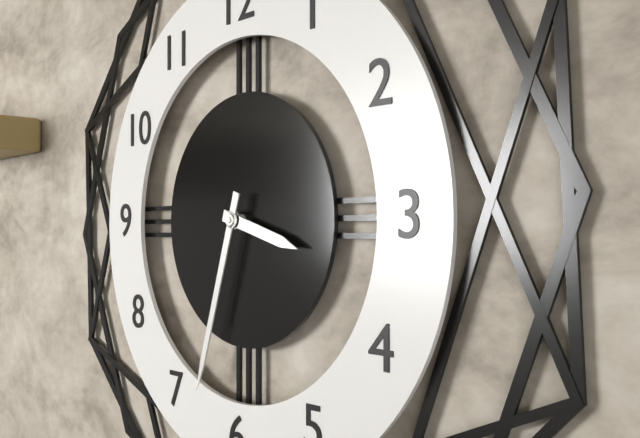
3:33
